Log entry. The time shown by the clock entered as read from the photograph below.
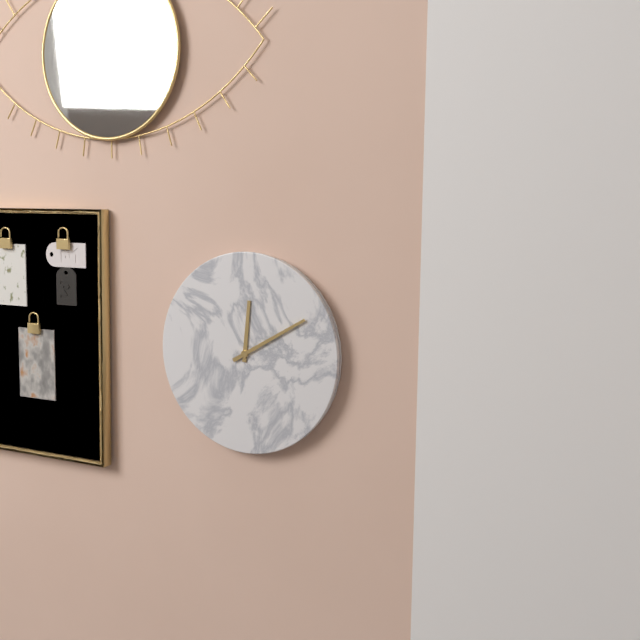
12:10
